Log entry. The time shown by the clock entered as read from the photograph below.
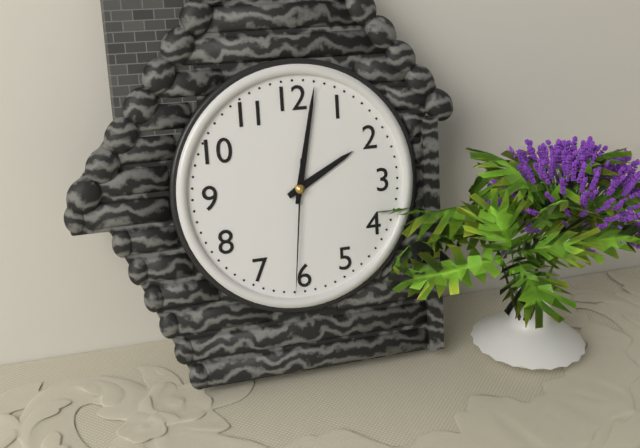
2:02:31
